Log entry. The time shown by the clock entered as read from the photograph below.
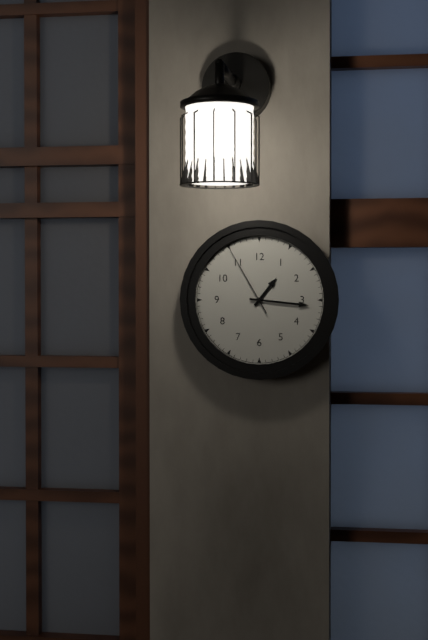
1:16:55
